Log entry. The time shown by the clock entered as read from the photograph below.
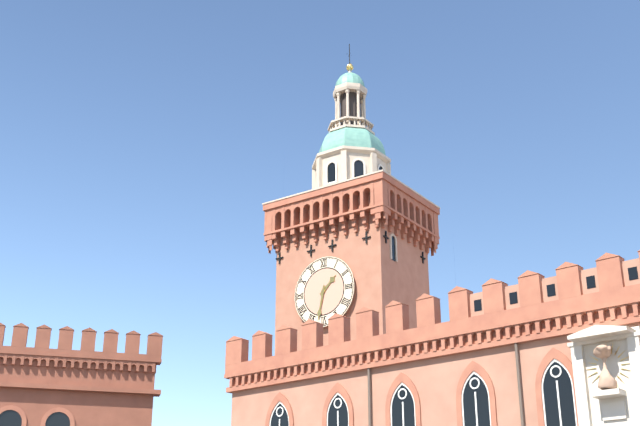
1:32
